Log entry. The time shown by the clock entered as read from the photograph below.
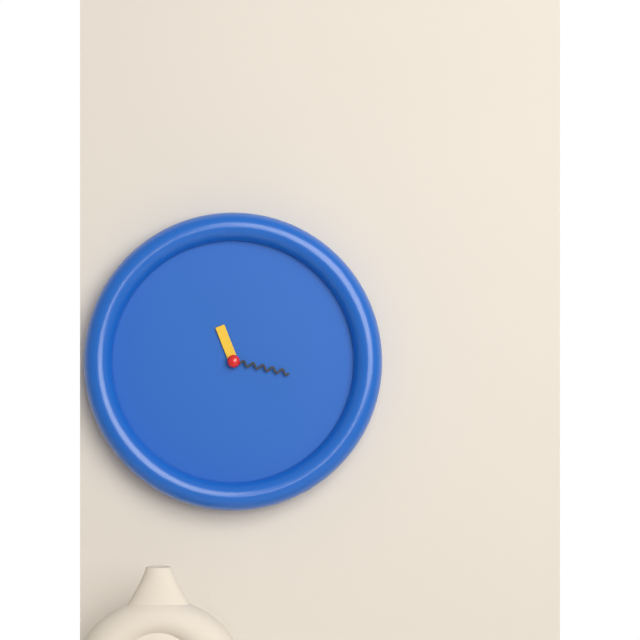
11:17
